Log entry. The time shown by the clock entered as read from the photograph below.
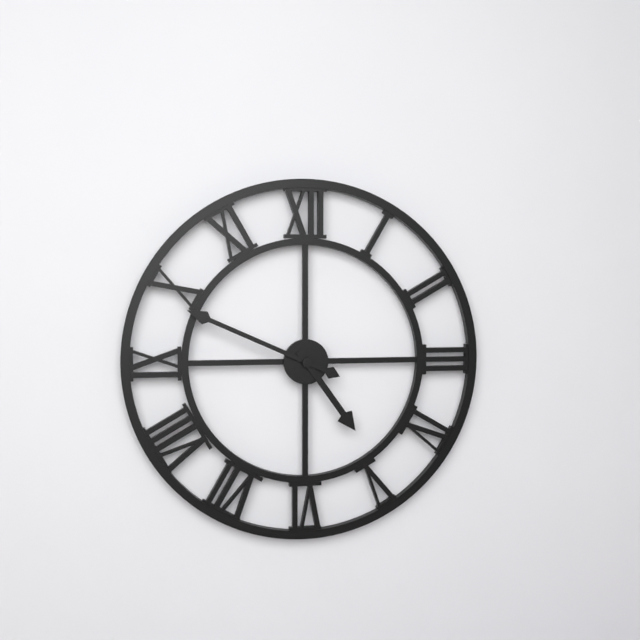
4:49
